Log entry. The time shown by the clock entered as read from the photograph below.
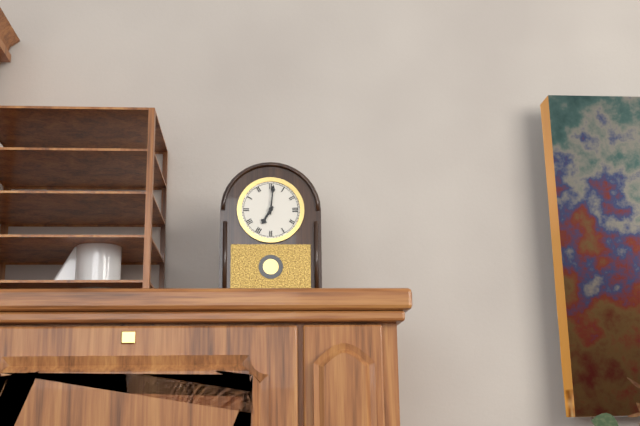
7:01
